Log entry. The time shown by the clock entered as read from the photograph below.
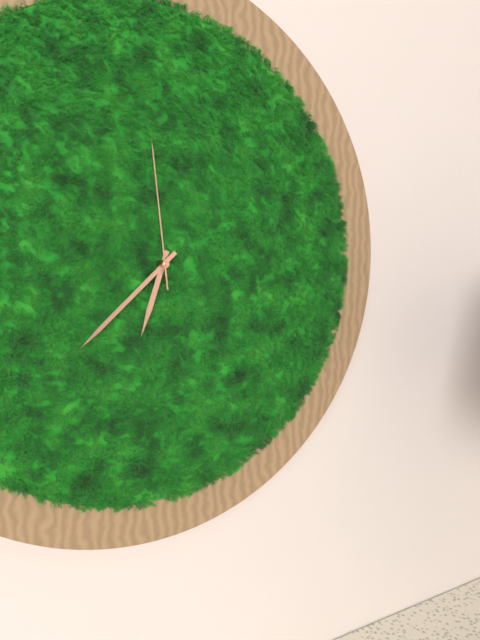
6:38:59
